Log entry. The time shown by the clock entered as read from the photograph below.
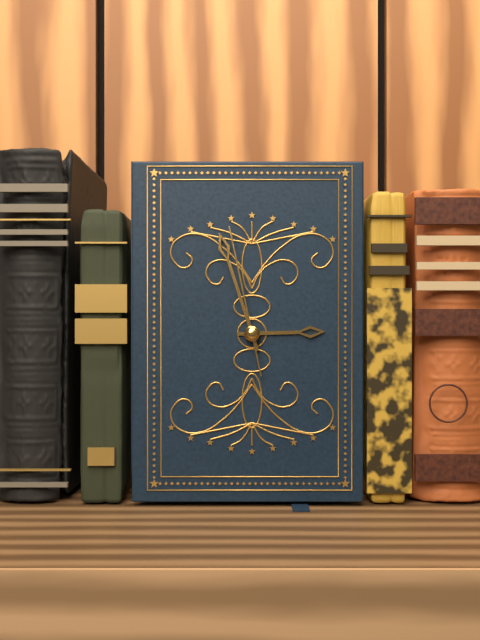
2:57:58
